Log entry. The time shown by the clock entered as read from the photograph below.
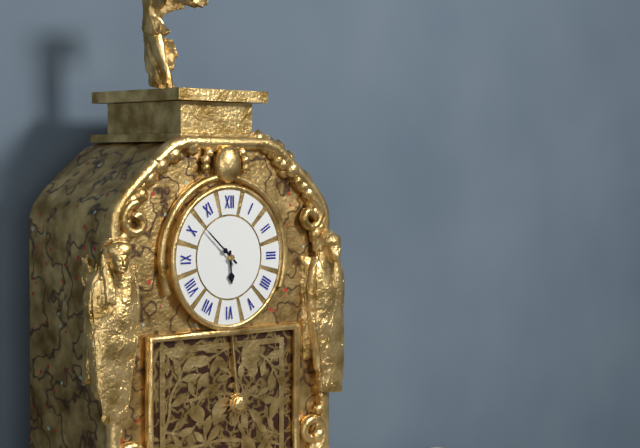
5:52
